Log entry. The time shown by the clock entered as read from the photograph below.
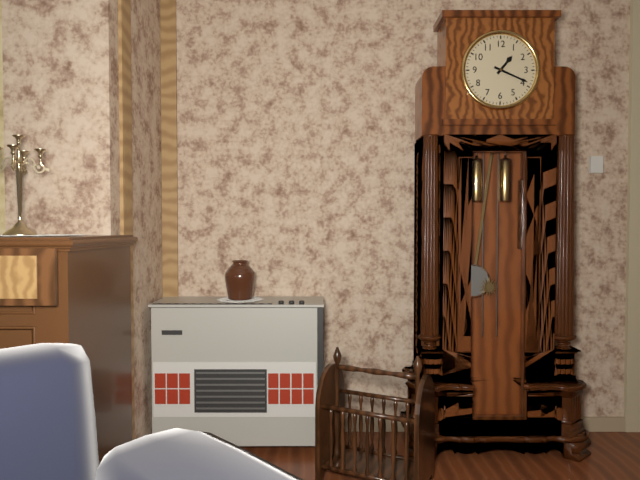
1:19
